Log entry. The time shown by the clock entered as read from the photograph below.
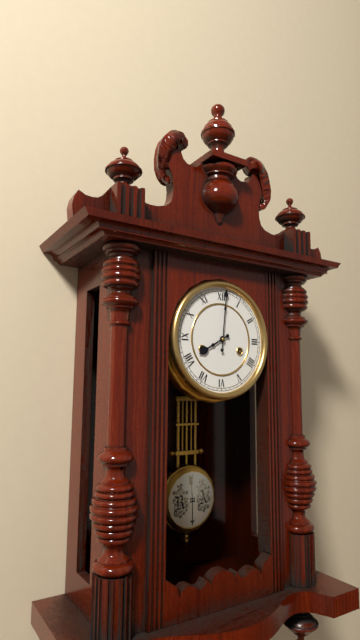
8:01
